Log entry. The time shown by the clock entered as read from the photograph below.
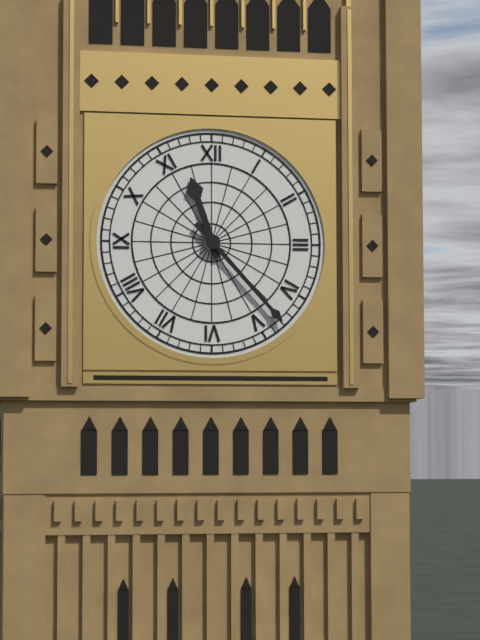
11:23
